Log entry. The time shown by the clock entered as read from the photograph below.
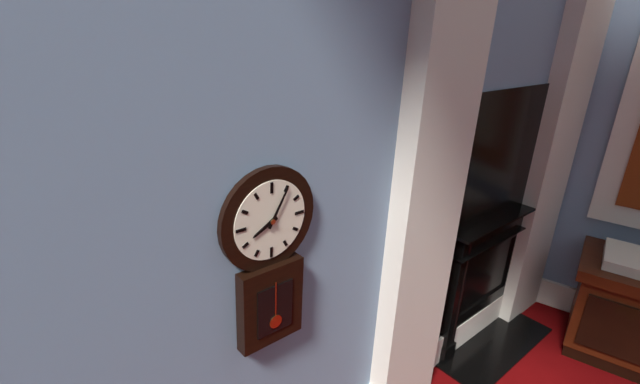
8:05
